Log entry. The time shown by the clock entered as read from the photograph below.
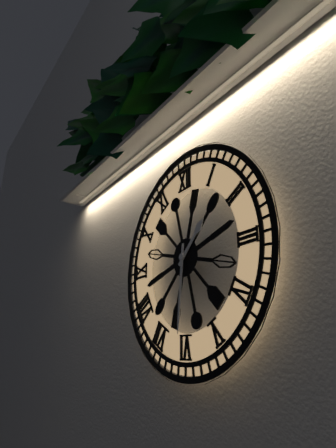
1:31
